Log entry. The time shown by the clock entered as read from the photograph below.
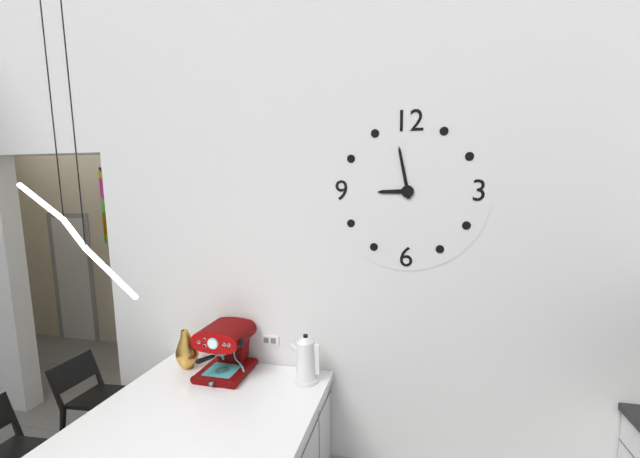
8:58
